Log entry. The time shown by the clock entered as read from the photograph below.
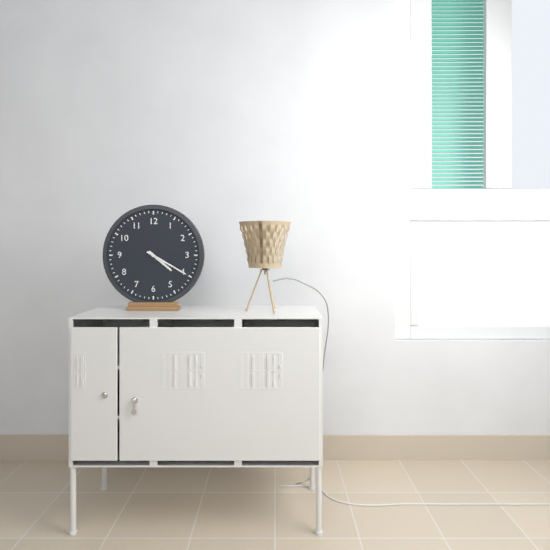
4:20
